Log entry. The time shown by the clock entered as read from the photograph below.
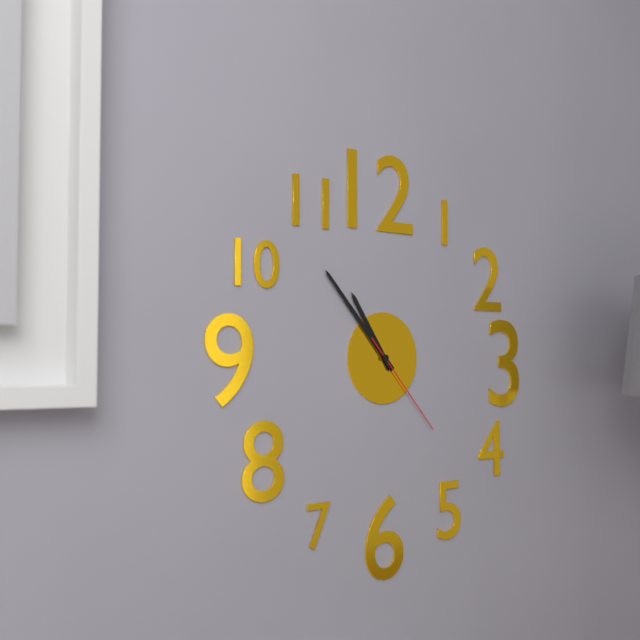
10:53:23
